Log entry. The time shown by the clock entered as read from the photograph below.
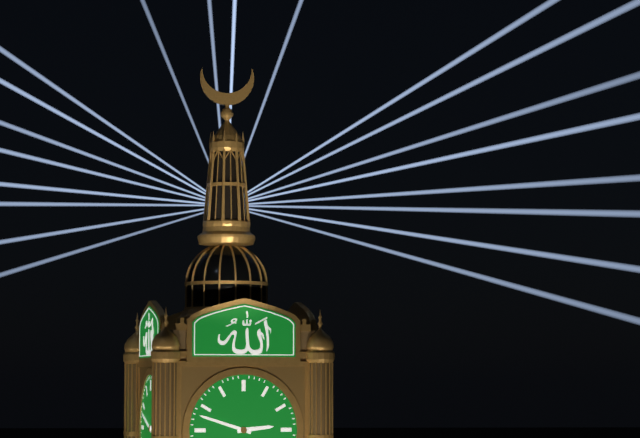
2:48
